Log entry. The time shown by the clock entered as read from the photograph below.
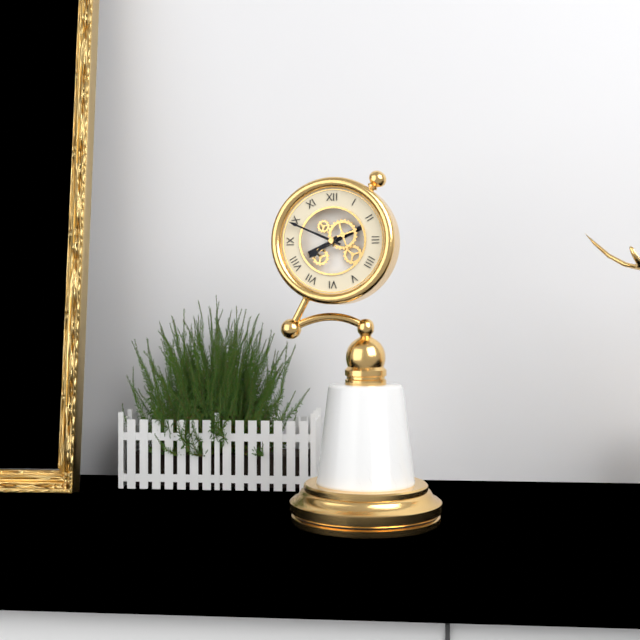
7:49
